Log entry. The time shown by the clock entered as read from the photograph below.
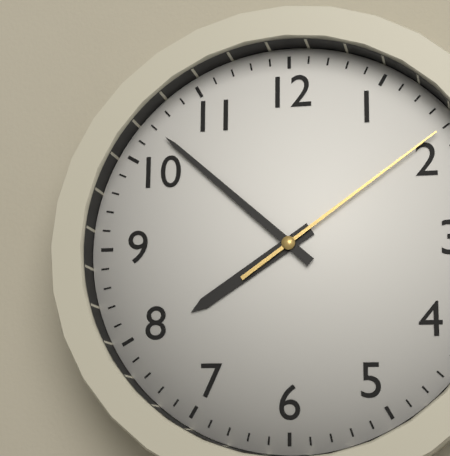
7:52:09
